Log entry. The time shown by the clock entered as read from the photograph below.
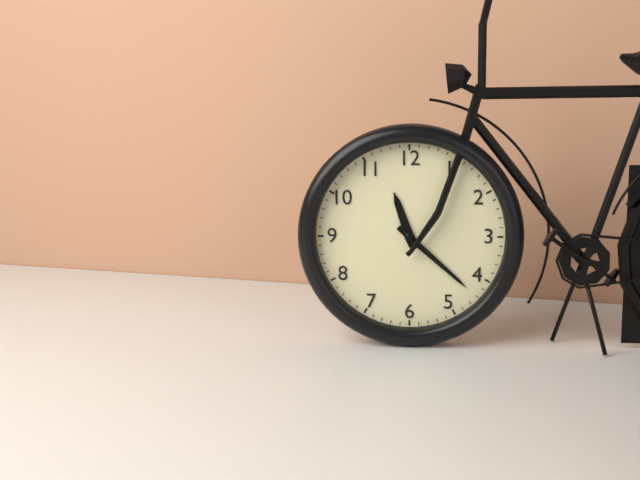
11:22
